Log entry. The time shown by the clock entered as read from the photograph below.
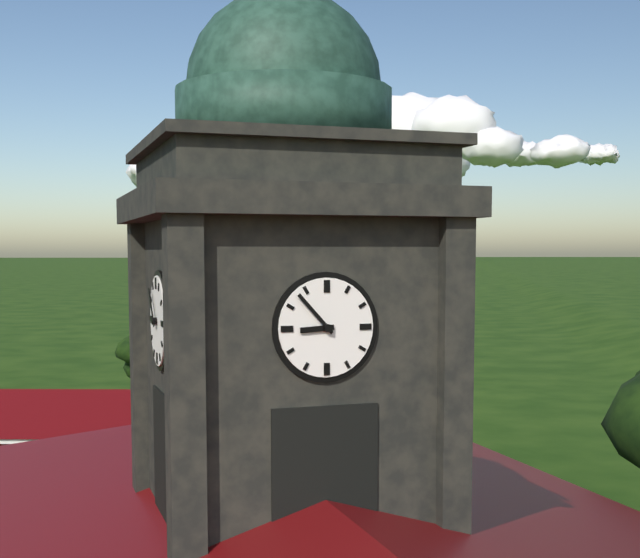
8:53
